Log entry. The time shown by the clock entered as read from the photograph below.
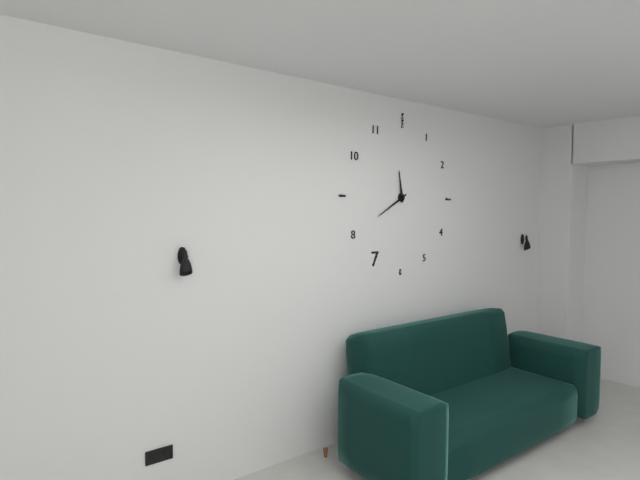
11:40
